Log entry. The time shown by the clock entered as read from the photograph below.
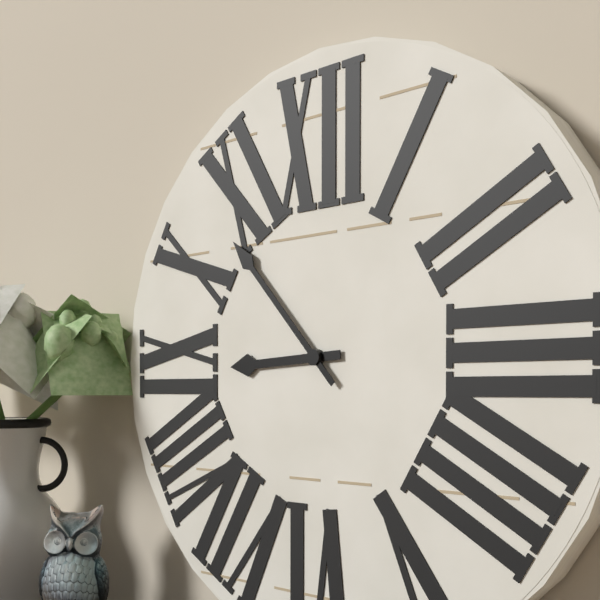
8:53
